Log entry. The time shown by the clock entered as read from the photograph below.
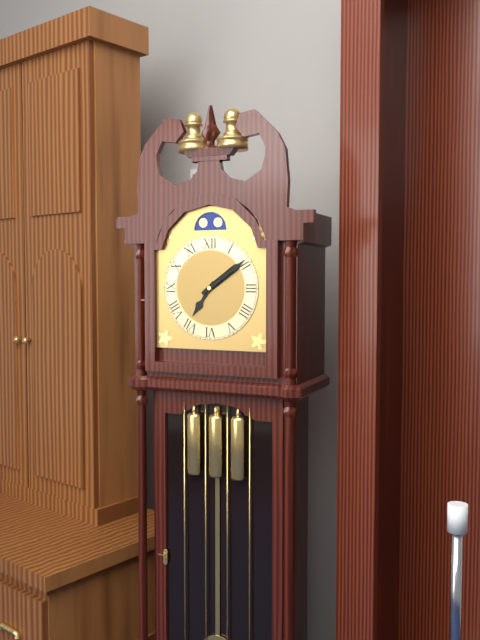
7:09
